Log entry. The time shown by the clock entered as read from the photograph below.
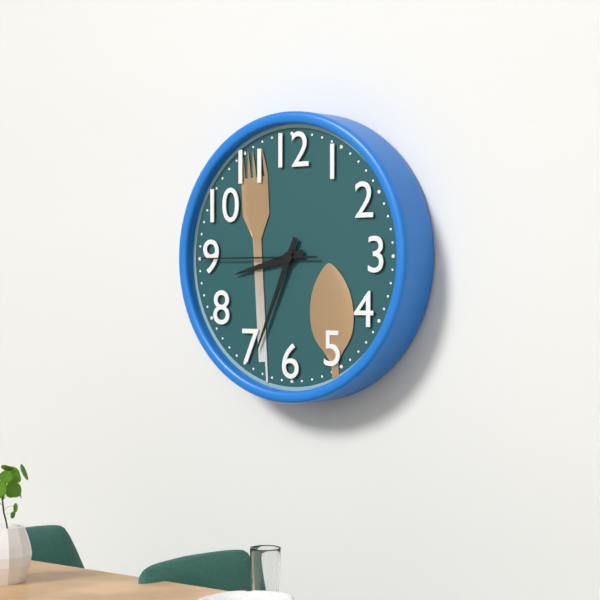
8:34:45
